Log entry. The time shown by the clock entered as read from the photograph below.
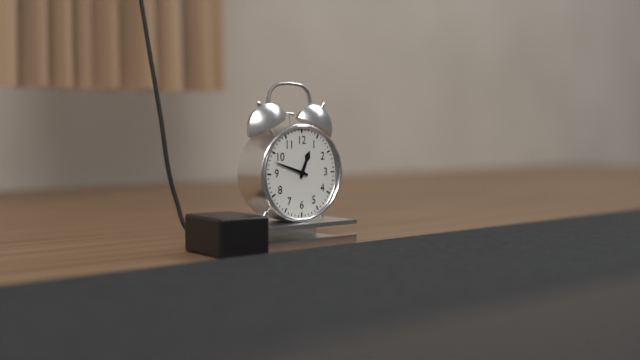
12:48
